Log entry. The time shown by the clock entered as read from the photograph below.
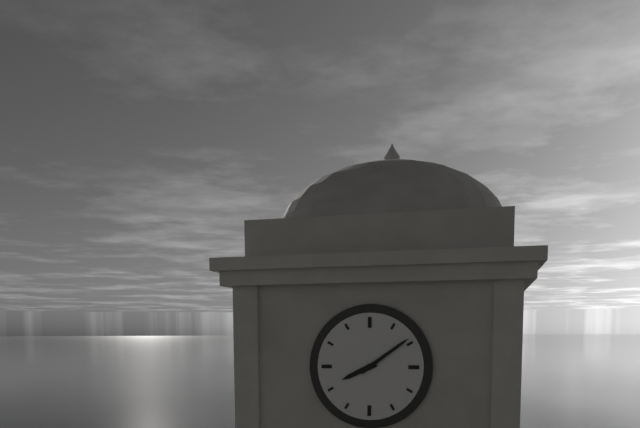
8:09
